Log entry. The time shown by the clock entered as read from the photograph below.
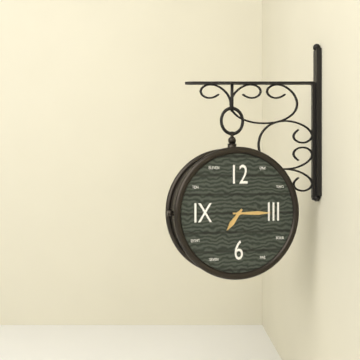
7:15
